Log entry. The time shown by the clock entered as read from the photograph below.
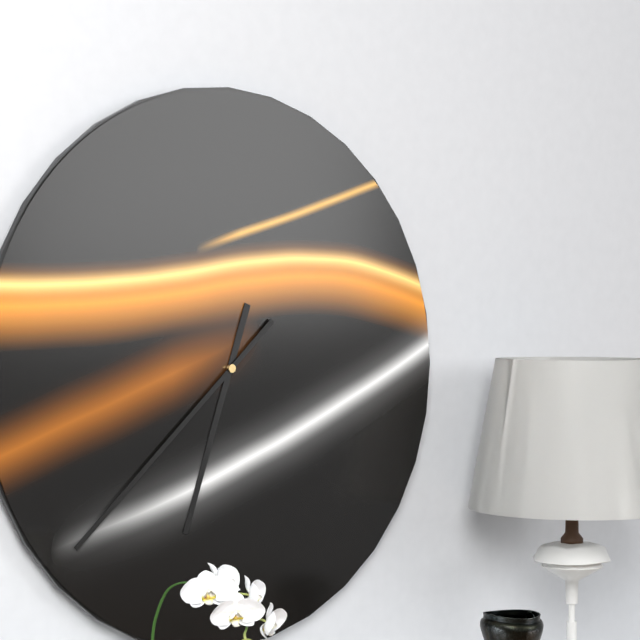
6:38
